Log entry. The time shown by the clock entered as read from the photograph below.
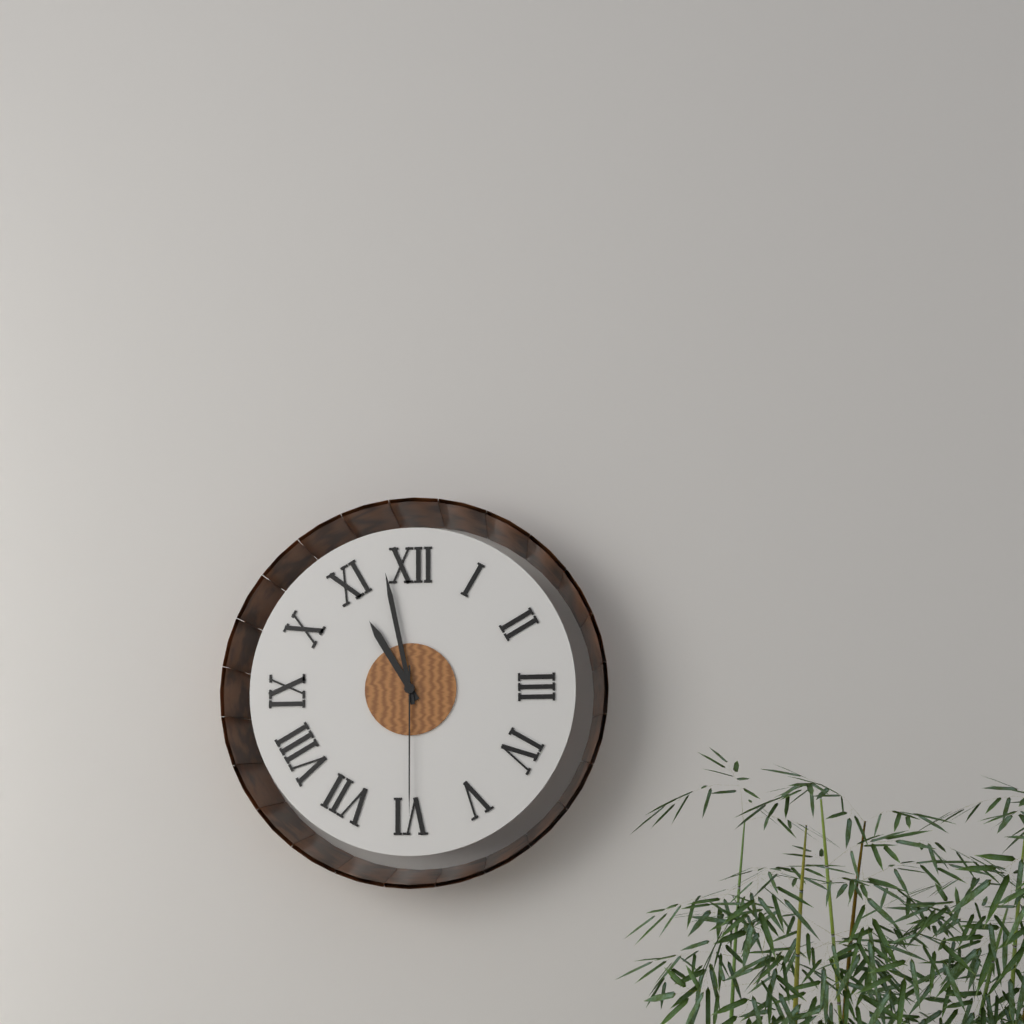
10:58:30
